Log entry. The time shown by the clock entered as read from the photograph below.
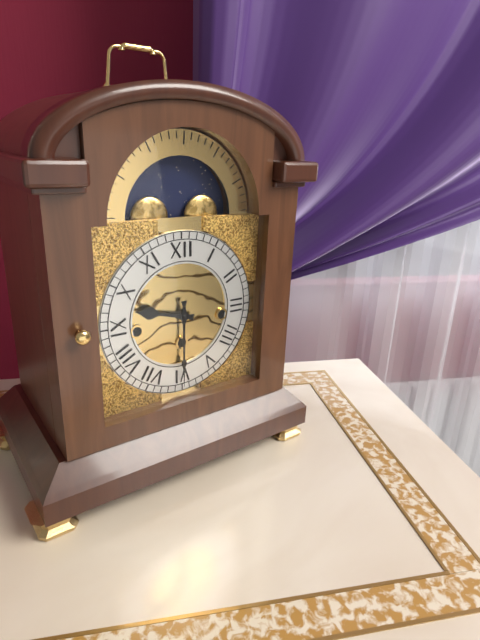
9:30
